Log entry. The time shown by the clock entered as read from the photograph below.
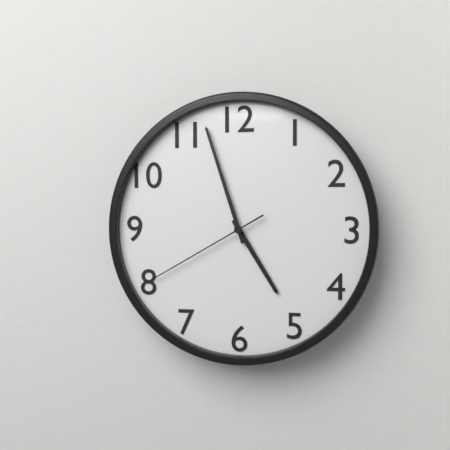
4:57:40
